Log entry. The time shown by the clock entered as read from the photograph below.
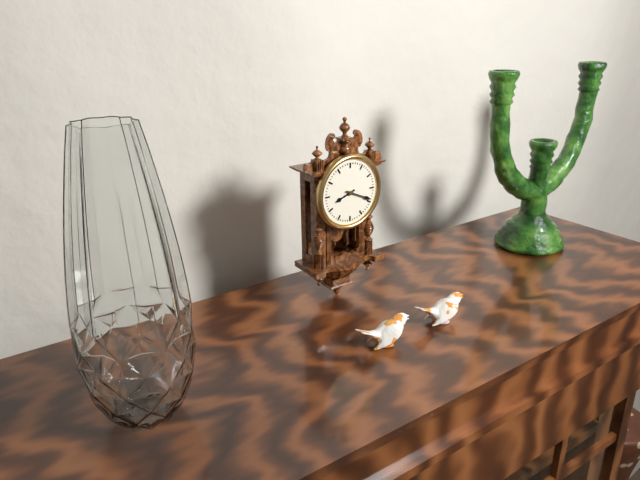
8:19
